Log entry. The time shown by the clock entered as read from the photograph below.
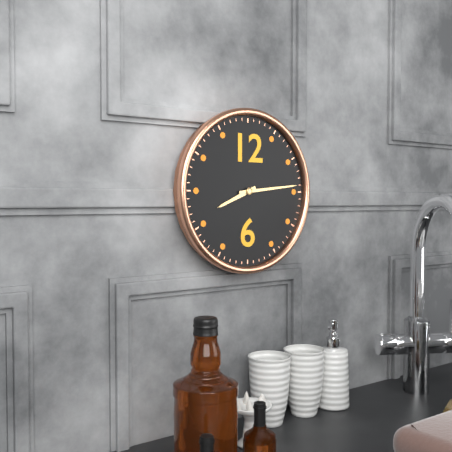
8:14
